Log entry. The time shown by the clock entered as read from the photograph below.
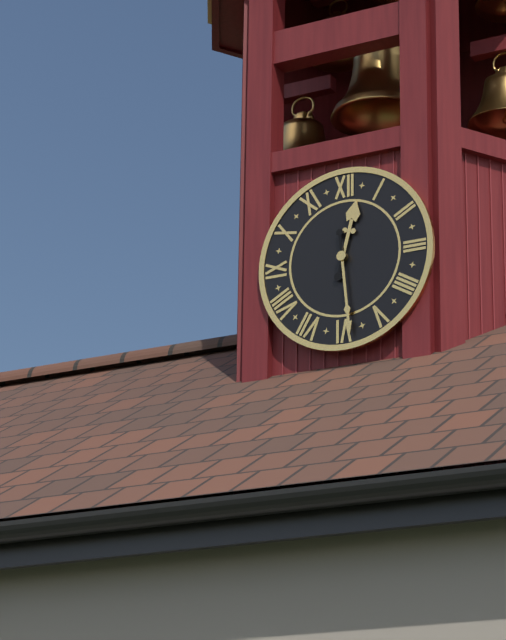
12:29
